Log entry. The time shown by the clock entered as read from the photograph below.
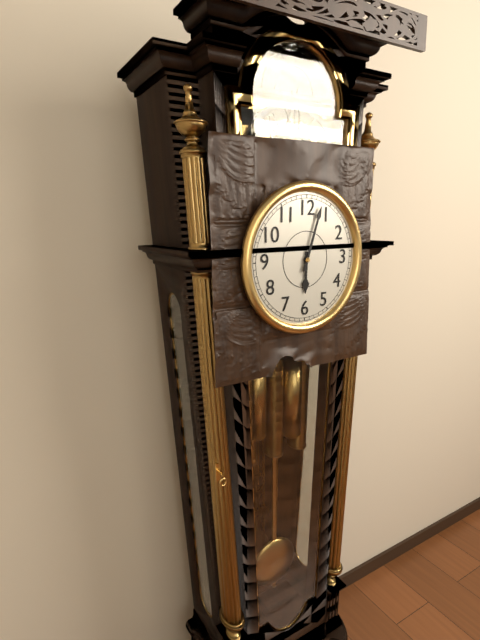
6:03
